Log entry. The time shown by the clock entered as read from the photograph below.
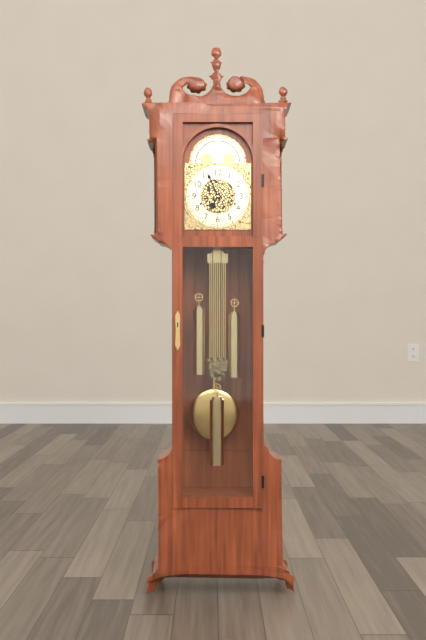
6:56
